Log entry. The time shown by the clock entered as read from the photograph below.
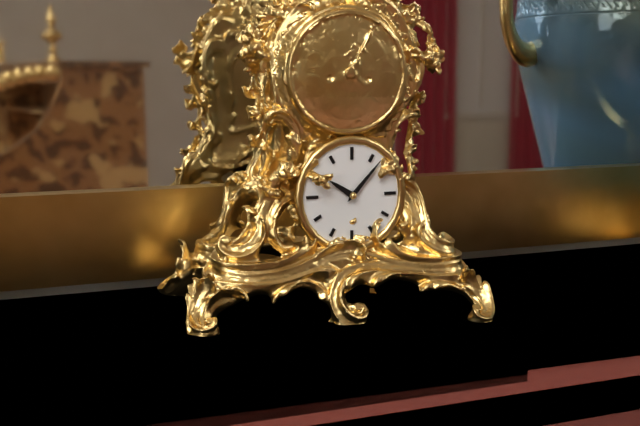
10:07
